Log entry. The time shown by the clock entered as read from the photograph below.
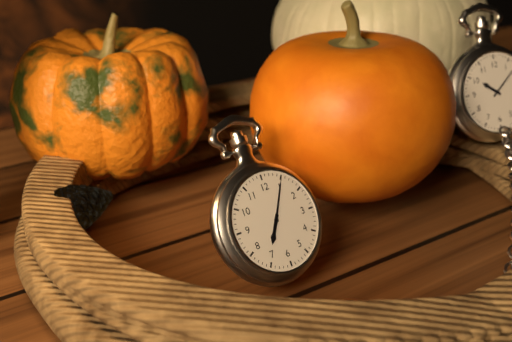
7:05
